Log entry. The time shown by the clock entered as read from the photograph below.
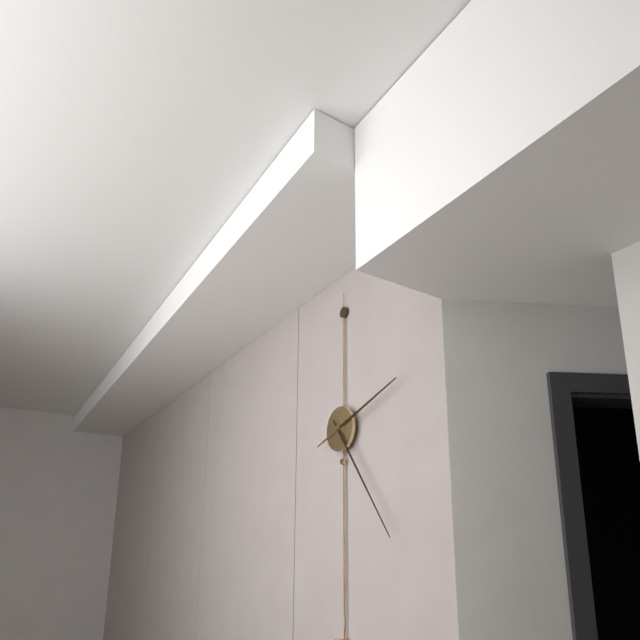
2:24
